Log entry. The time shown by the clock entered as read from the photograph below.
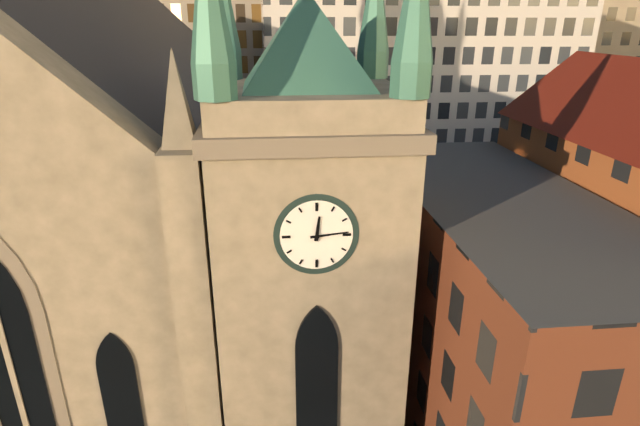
12:14
